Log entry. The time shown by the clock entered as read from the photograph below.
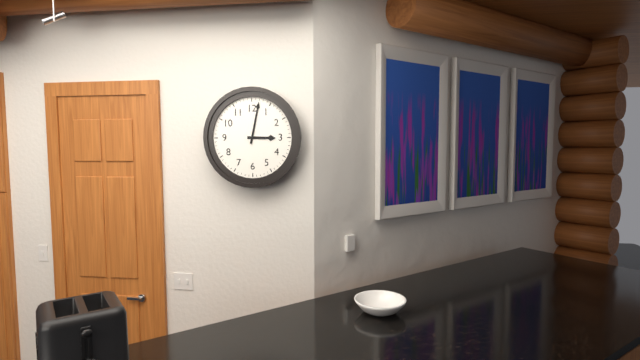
3:02
